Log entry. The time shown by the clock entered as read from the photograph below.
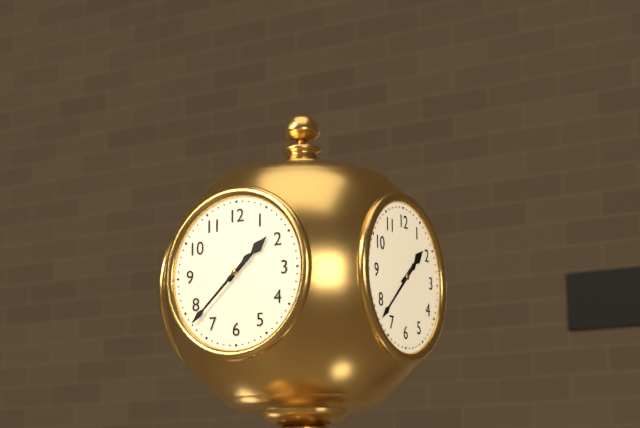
1:38
